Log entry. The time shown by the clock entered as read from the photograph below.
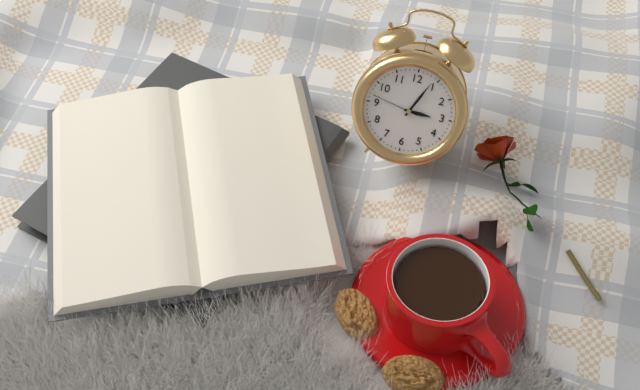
3:04
